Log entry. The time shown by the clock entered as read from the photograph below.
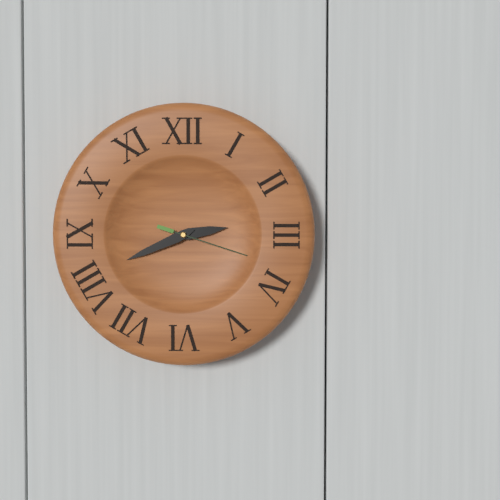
2:41:18
